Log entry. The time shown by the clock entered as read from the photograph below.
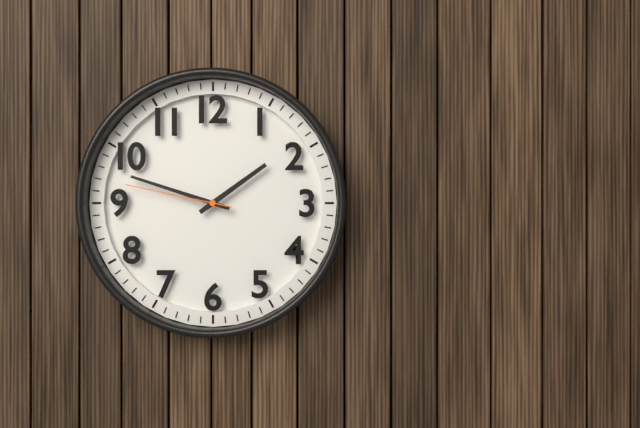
1:48:47
